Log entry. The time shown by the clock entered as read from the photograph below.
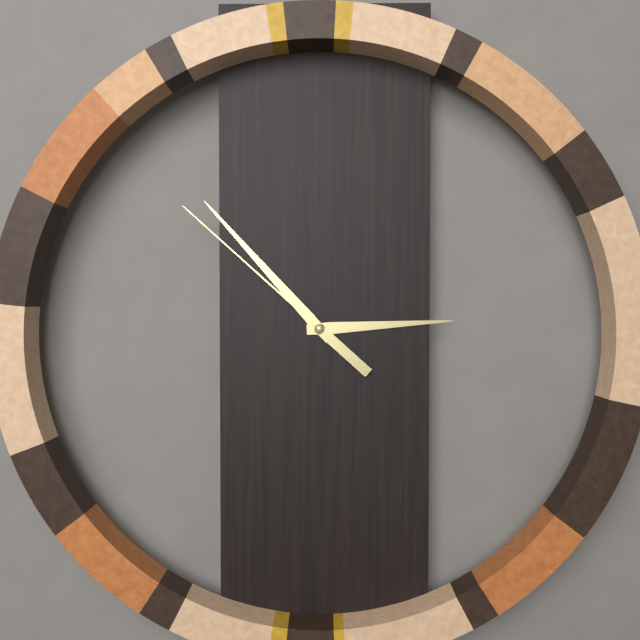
2:53:52
